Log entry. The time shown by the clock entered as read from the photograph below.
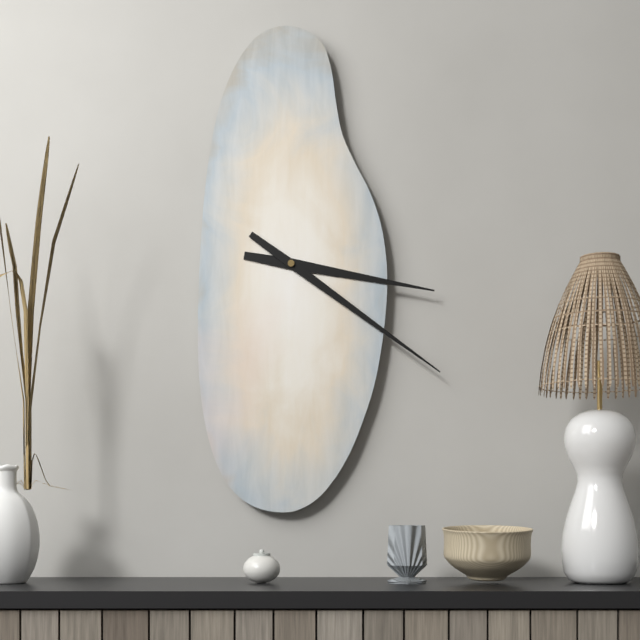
3:21
